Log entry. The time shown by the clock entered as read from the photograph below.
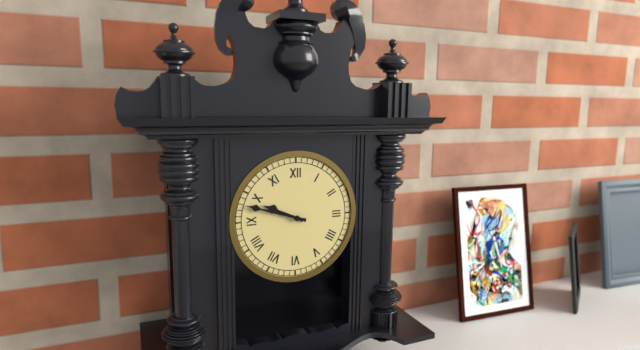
9:48
